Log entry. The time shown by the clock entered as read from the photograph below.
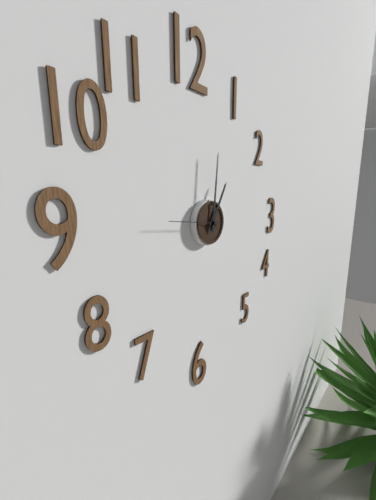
1:01:46
